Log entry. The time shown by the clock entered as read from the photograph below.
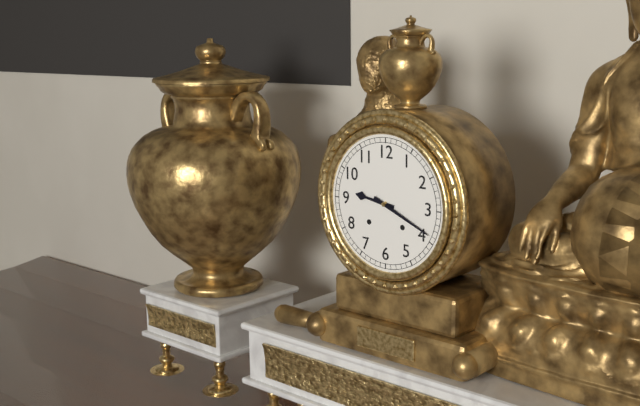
9:19
